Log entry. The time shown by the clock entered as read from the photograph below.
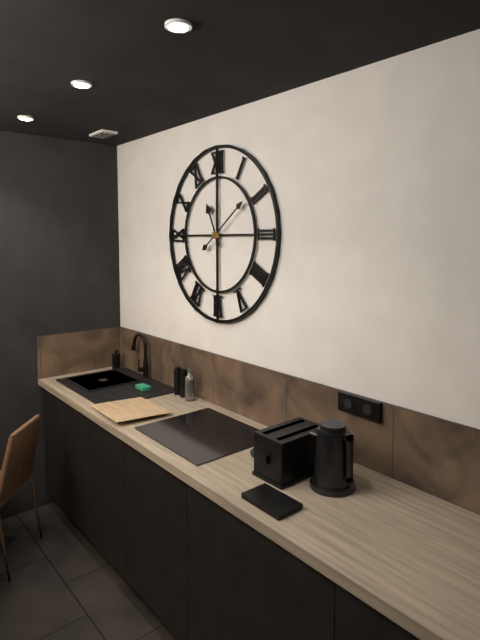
11:09
